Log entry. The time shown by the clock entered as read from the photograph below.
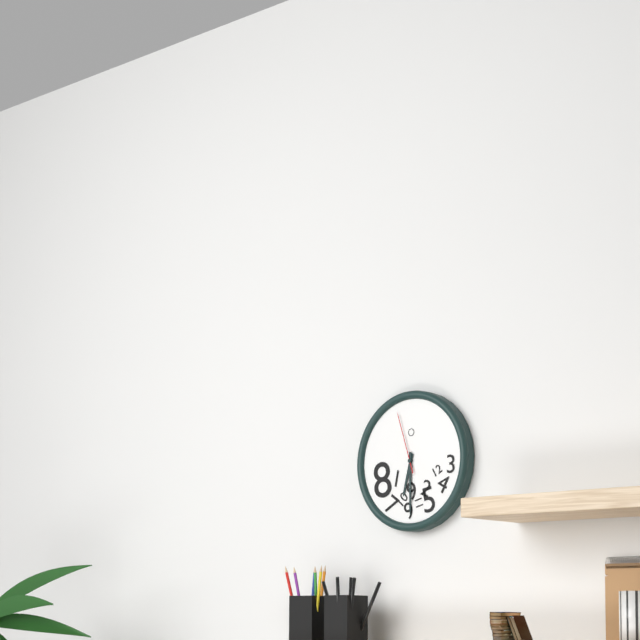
6:30:57
